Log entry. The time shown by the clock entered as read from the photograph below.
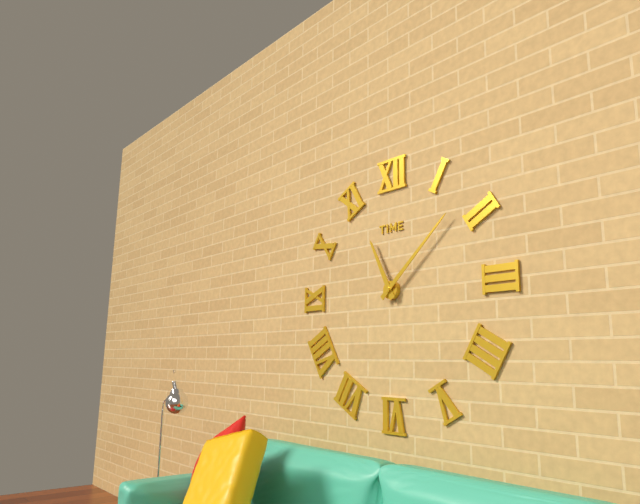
11:08
